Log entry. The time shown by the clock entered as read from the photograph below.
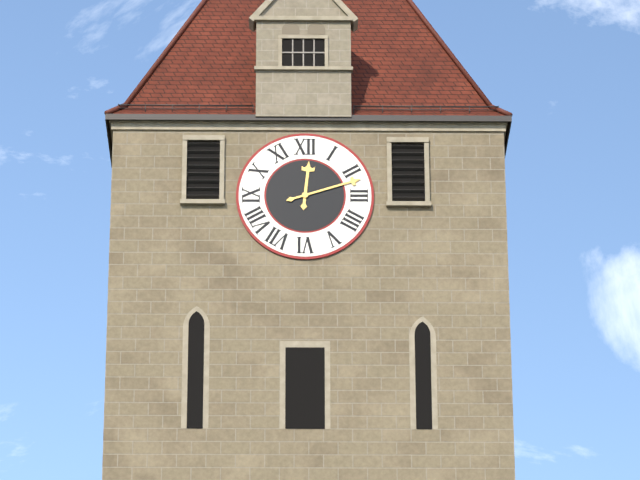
12:12
